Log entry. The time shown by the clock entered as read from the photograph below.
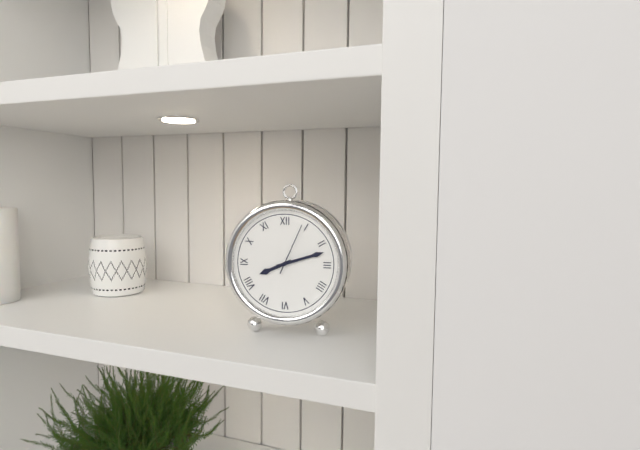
8:12
